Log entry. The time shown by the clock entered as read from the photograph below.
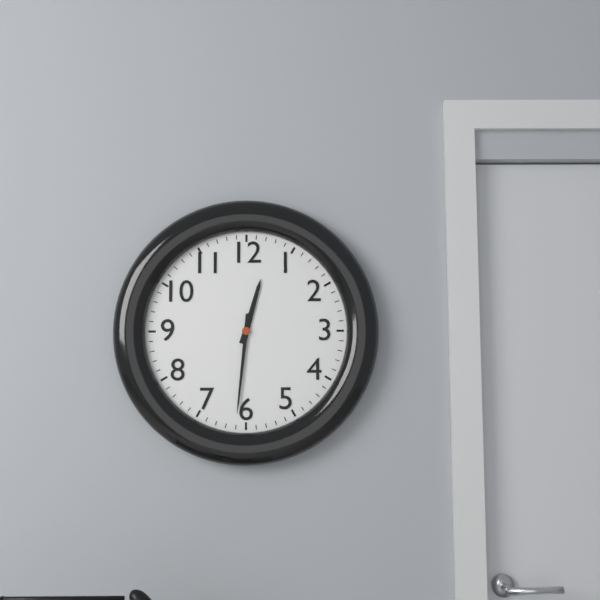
12:31
